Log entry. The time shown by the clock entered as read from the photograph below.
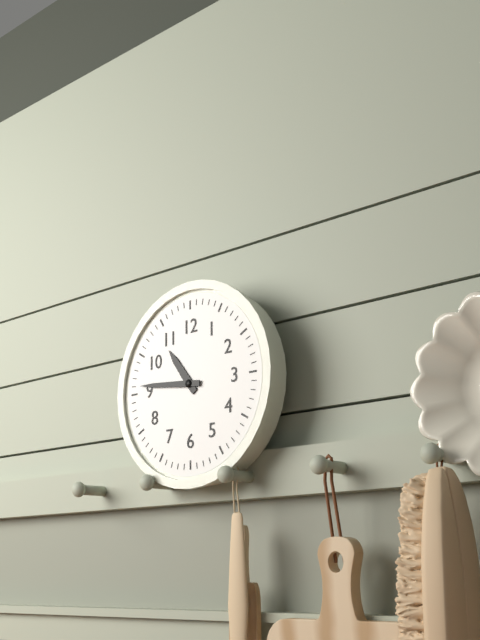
10:46
